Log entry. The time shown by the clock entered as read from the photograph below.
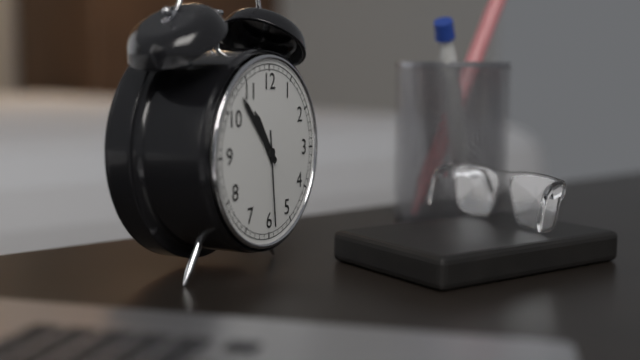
10:53:29
